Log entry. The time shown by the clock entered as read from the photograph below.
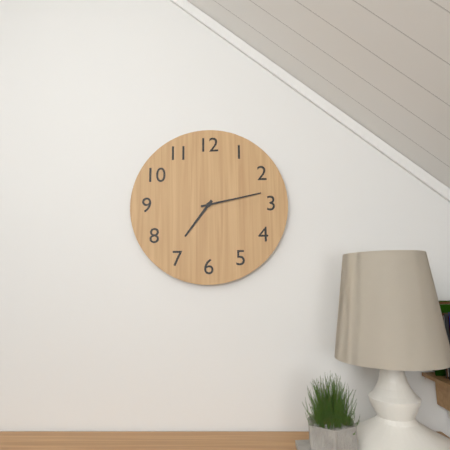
7:13
